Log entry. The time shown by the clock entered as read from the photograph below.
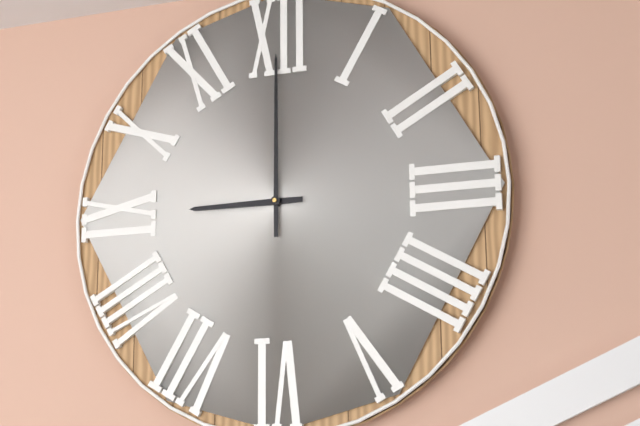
9:00
